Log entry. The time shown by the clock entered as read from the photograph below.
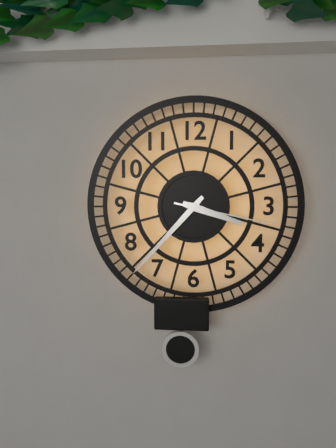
3:37:17
